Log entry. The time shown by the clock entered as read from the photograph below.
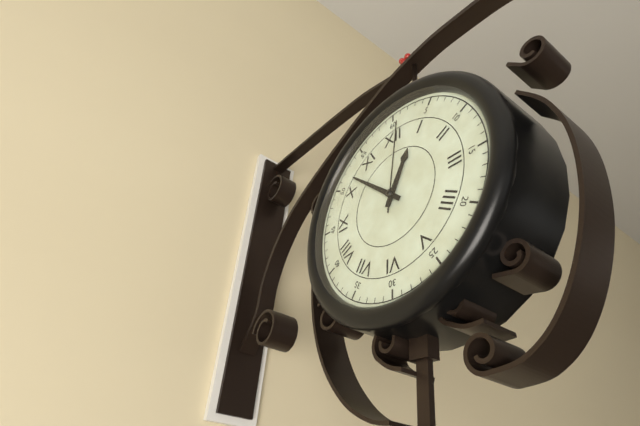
12:52:01
